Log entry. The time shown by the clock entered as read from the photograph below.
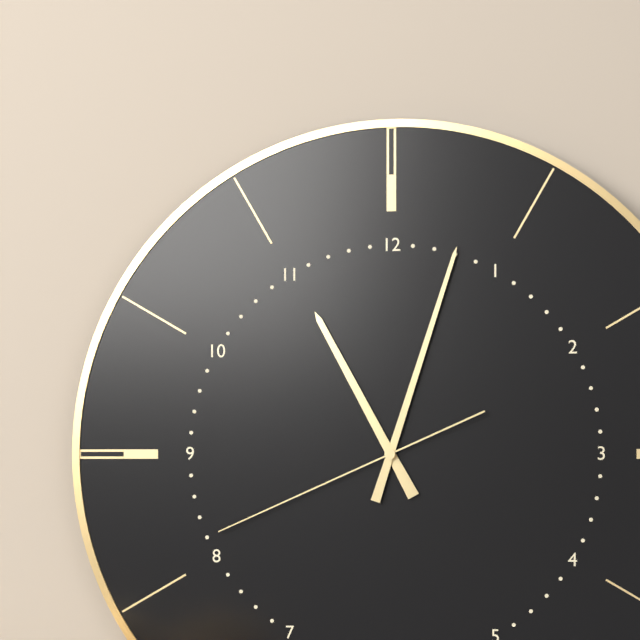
11:03:41
